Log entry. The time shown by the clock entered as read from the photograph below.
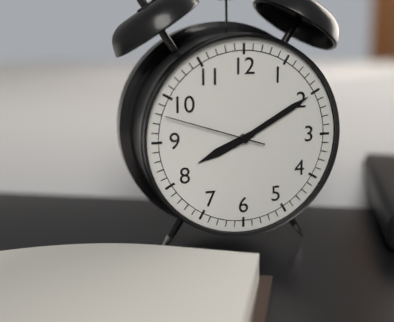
8:10:48
